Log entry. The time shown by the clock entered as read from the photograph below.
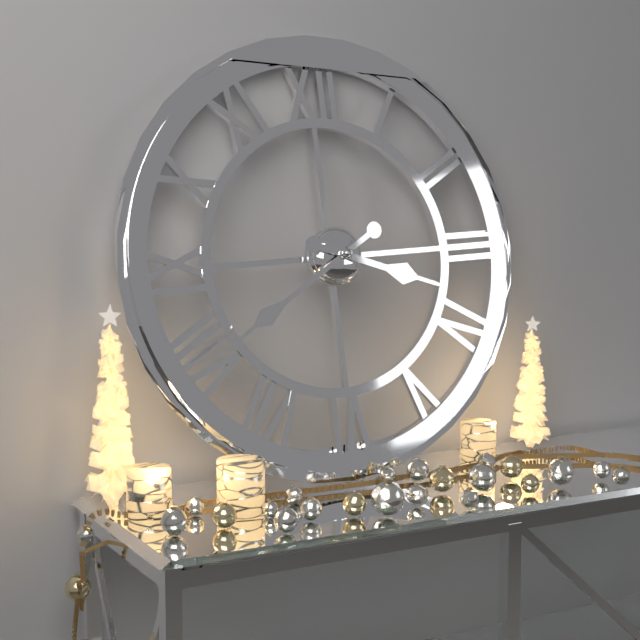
3:40
